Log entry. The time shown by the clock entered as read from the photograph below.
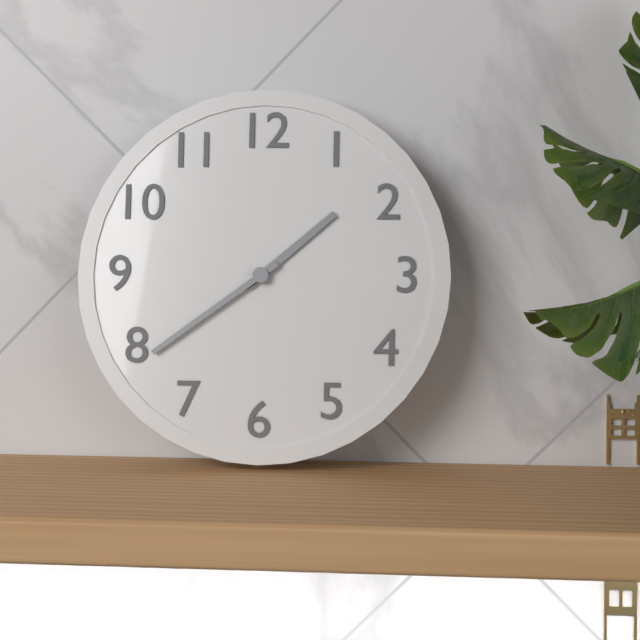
1:39
